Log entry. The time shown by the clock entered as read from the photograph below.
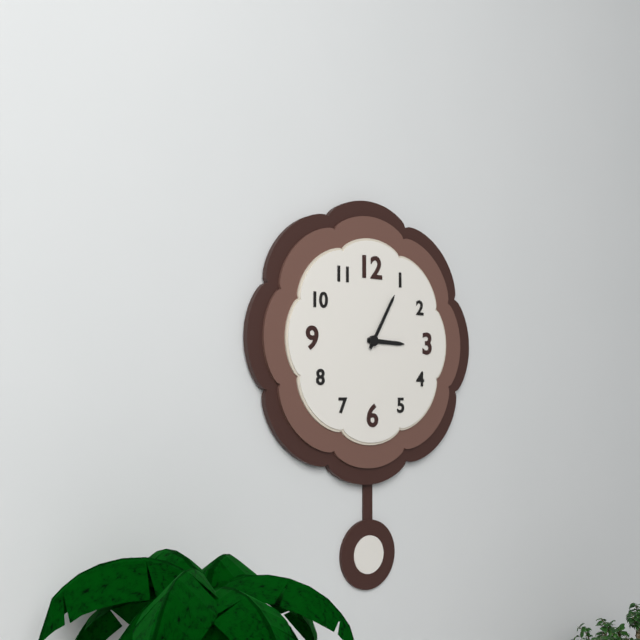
3:05
